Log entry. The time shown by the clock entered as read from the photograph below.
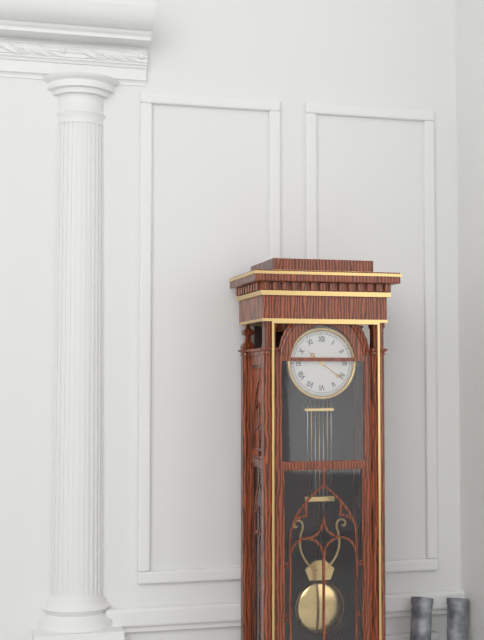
10:21
